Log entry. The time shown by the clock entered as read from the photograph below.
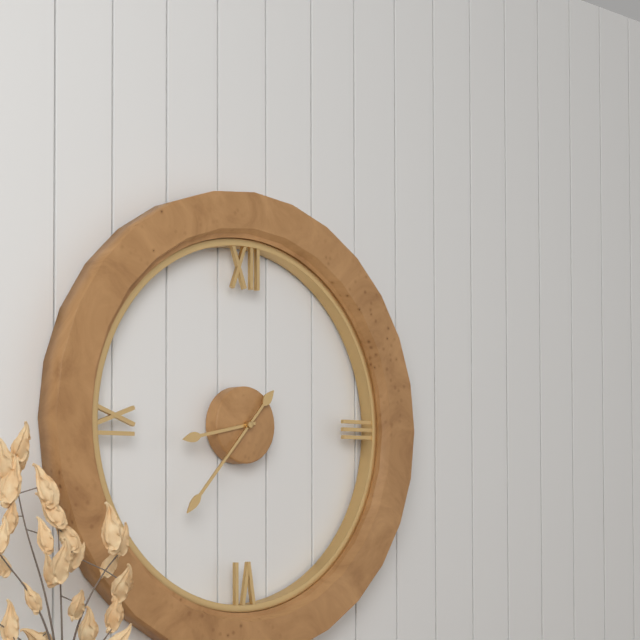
8:37
